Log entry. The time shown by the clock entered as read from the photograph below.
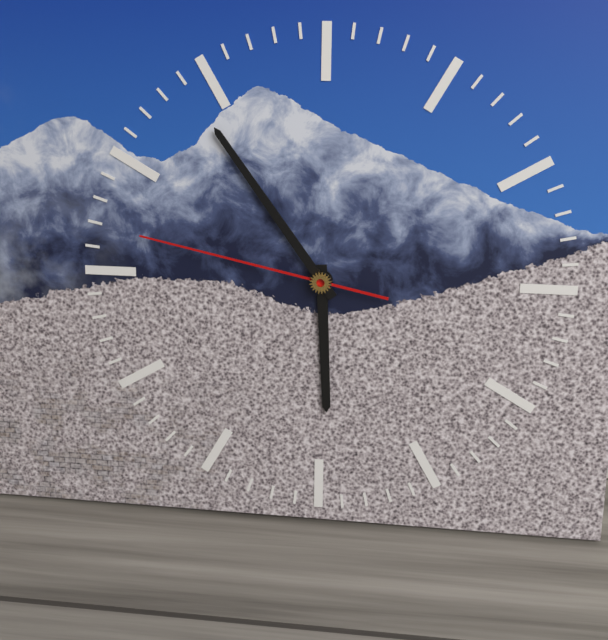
5:54:47
